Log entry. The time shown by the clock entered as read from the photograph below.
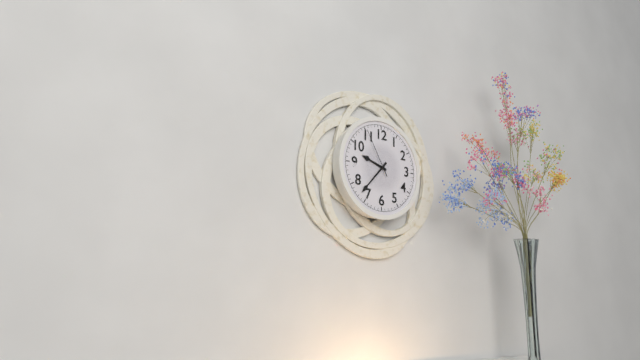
9:37:55
